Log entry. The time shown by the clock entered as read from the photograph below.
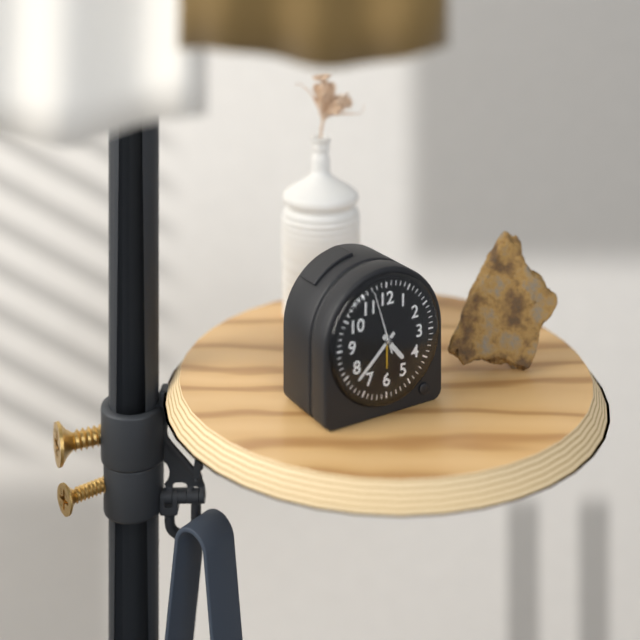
4:38
